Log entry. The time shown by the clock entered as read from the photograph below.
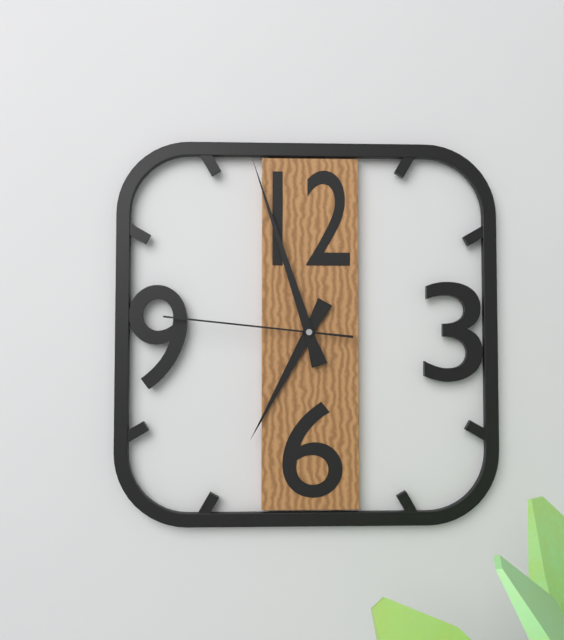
6:57:46
